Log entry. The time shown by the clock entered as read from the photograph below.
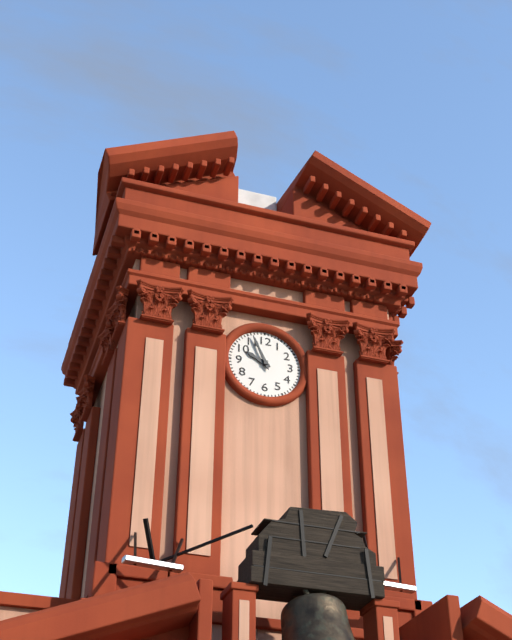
9:56
